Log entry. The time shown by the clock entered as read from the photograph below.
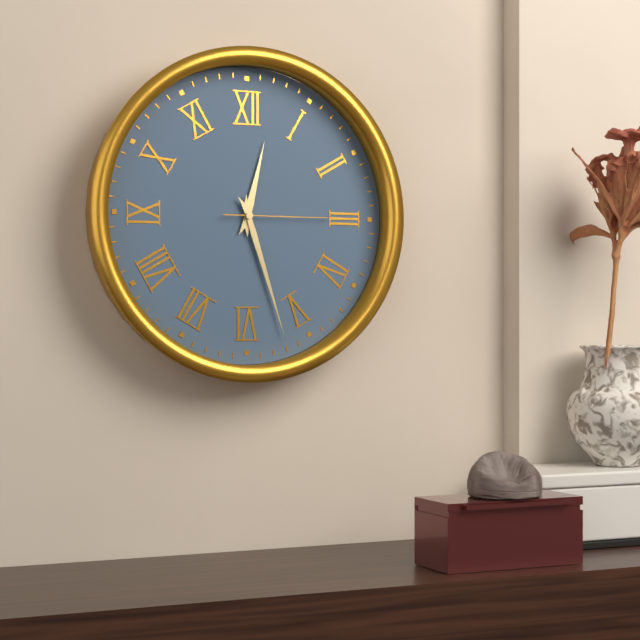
12:27:15
